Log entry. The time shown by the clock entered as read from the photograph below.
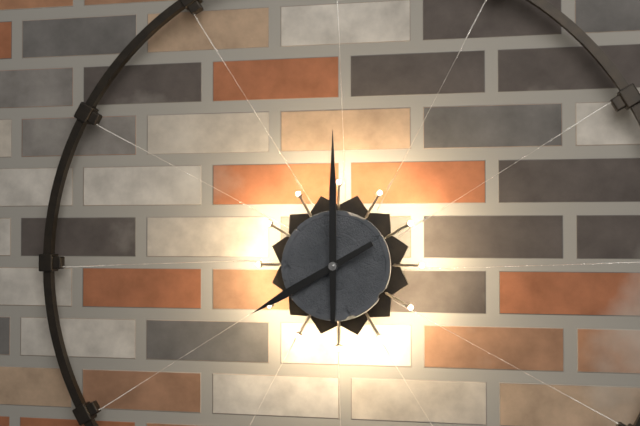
8:00
